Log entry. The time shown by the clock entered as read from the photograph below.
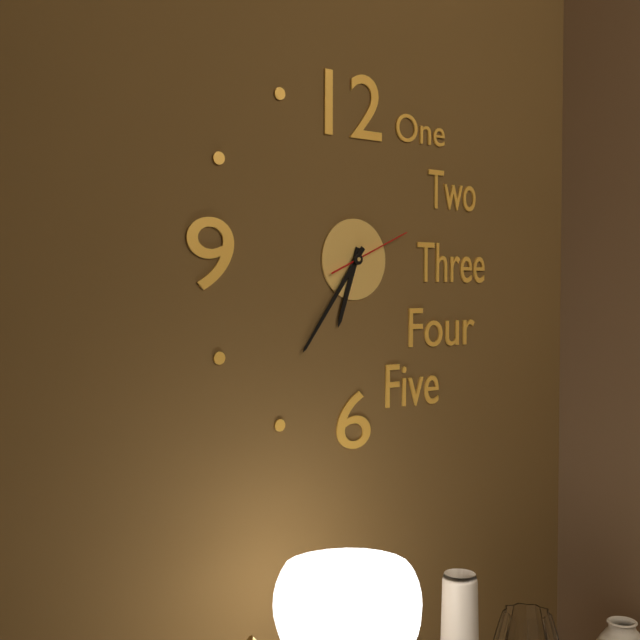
6:36:11
